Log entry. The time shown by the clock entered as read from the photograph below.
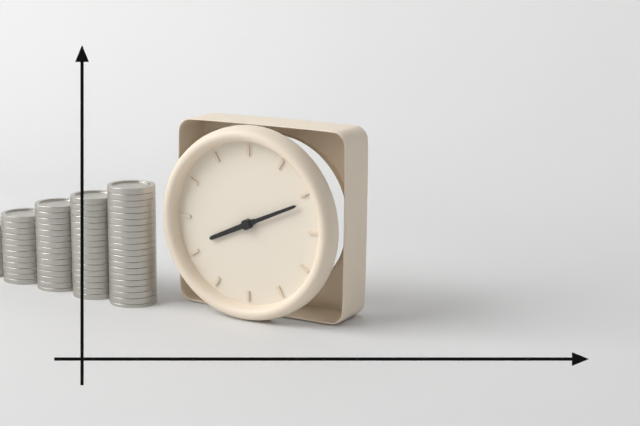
8:11
